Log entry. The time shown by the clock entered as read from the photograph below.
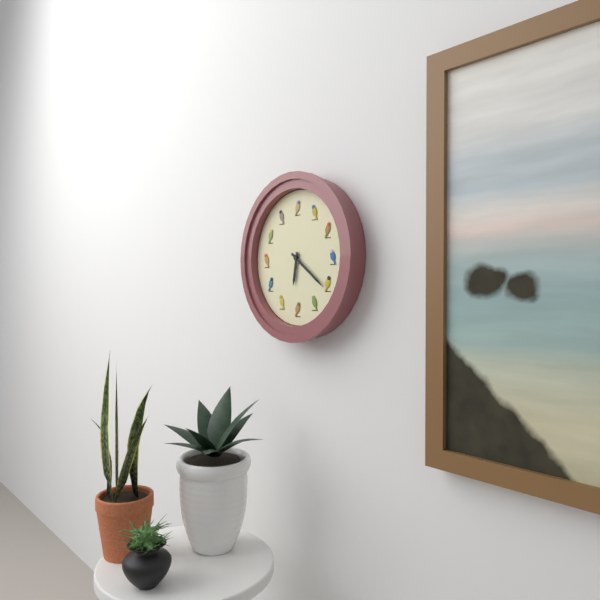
6:21
